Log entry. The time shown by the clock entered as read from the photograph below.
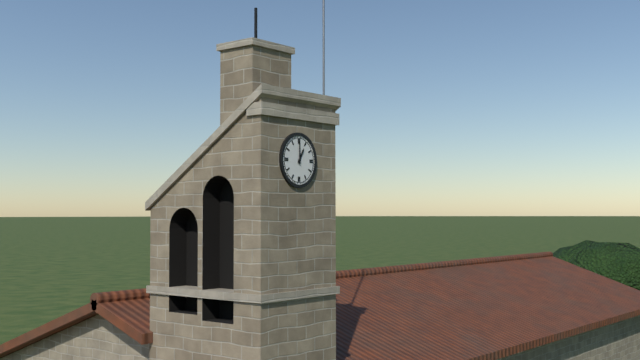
1:00
